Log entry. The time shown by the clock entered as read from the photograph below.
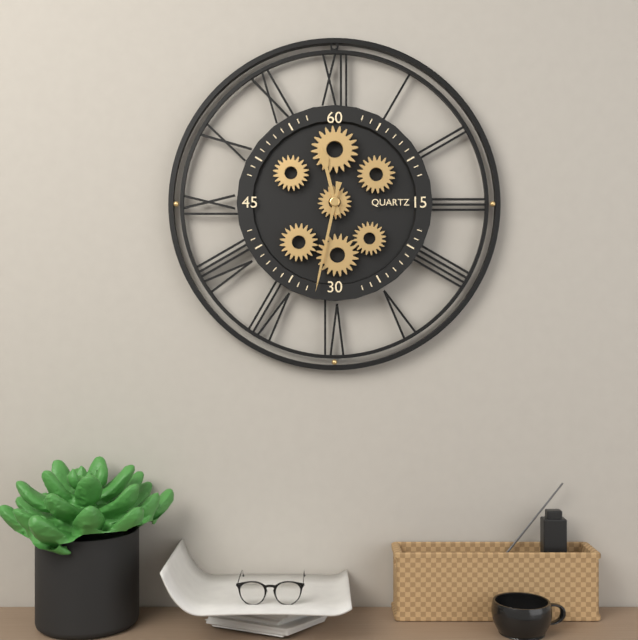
11:32
